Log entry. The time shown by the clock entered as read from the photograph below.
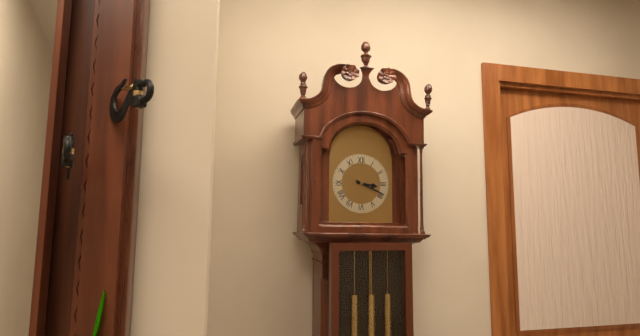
3:19
